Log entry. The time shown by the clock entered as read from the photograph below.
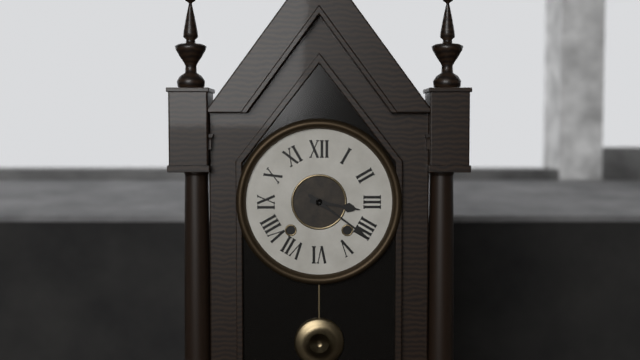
3:21
